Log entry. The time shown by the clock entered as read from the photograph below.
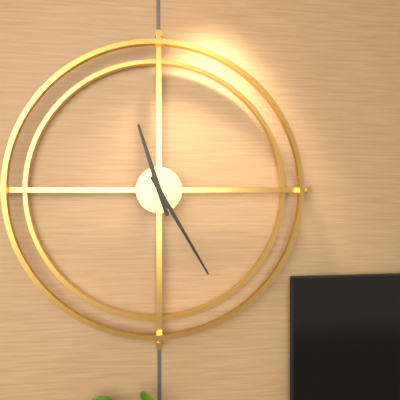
11:25
